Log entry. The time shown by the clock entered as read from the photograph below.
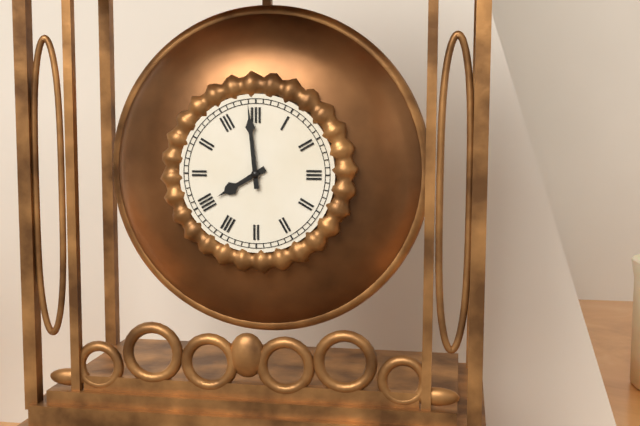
7:59
